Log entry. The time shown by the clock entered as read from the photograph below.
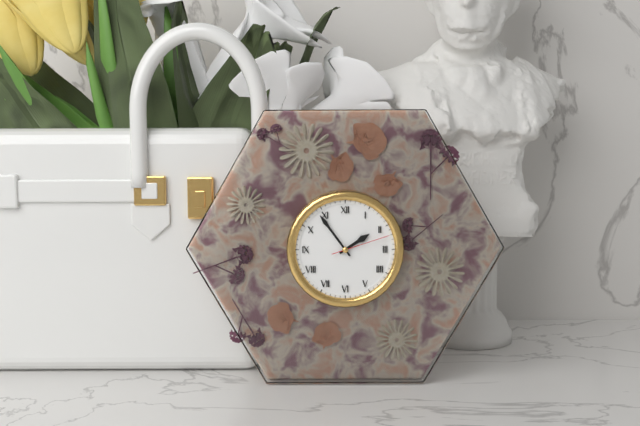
1:54:12
